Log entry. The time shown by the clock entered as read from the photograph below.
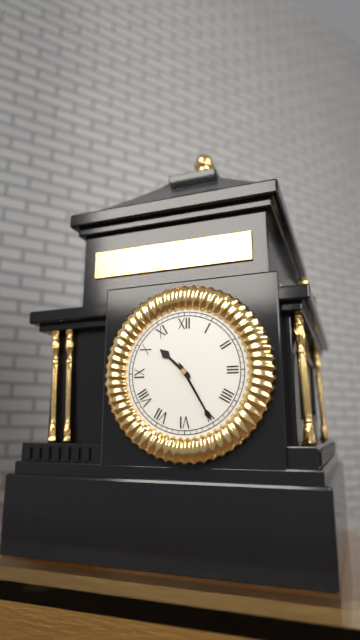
10:25
